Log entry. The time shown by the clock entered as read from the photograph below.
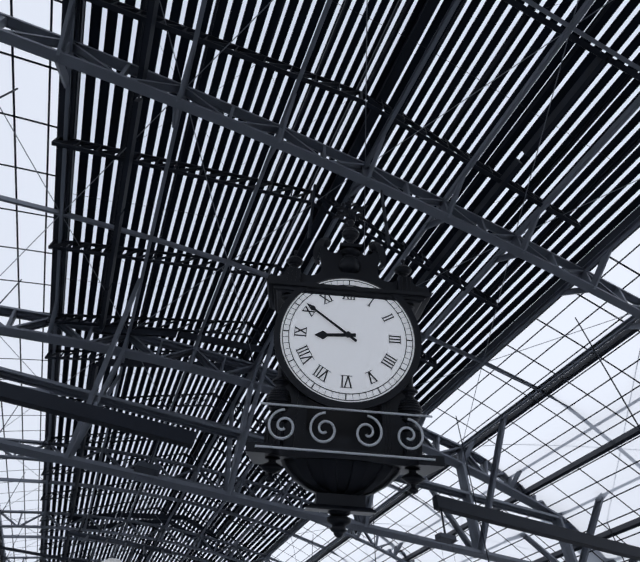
8:51
